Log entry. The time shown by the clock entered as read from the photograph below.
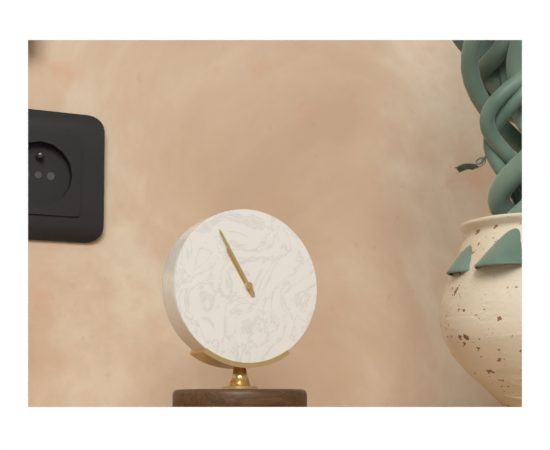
10:55
